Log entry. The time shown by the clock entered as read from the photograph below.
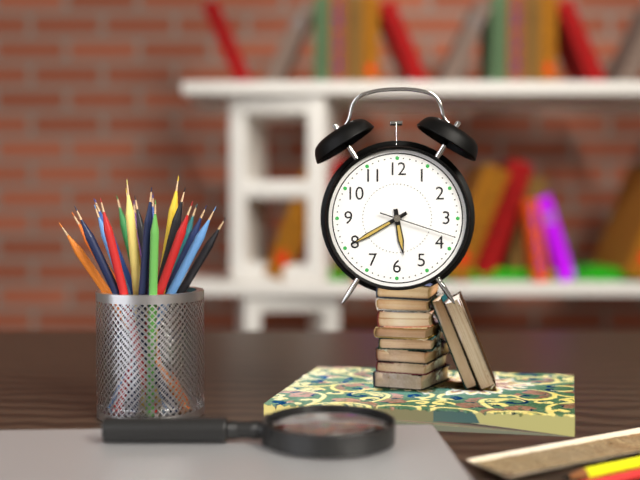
5:40:18
